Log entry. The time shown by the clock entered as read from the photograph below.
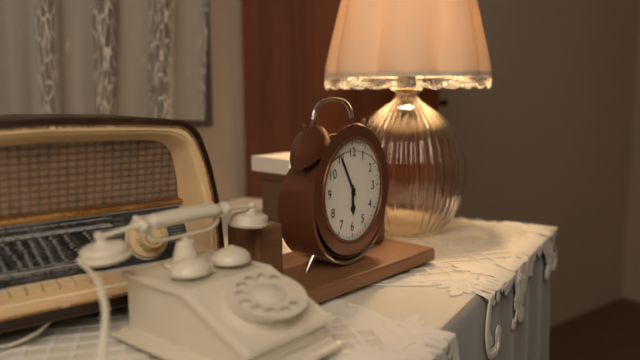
5:55
